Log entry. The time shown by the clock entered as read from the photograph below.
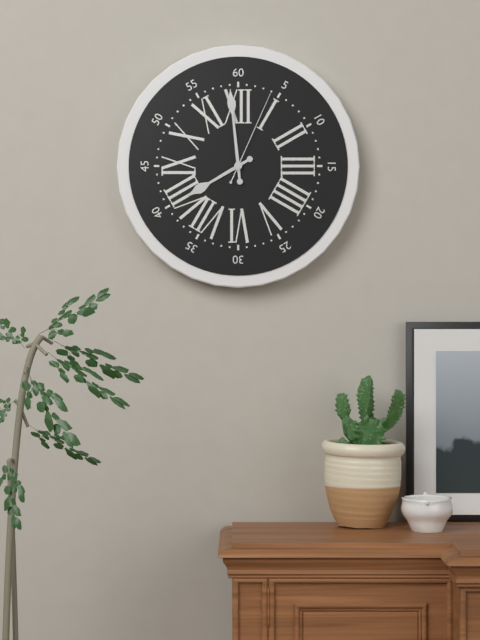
7:59:04
